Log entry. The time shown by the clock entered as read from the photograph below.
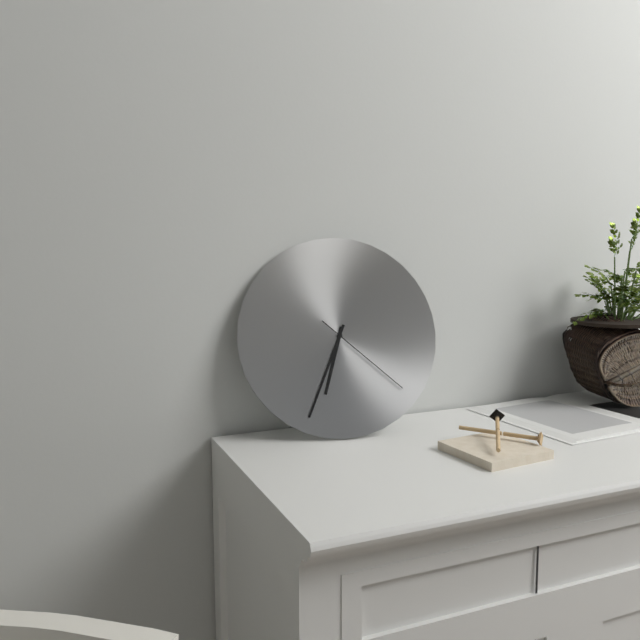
6:34:22
